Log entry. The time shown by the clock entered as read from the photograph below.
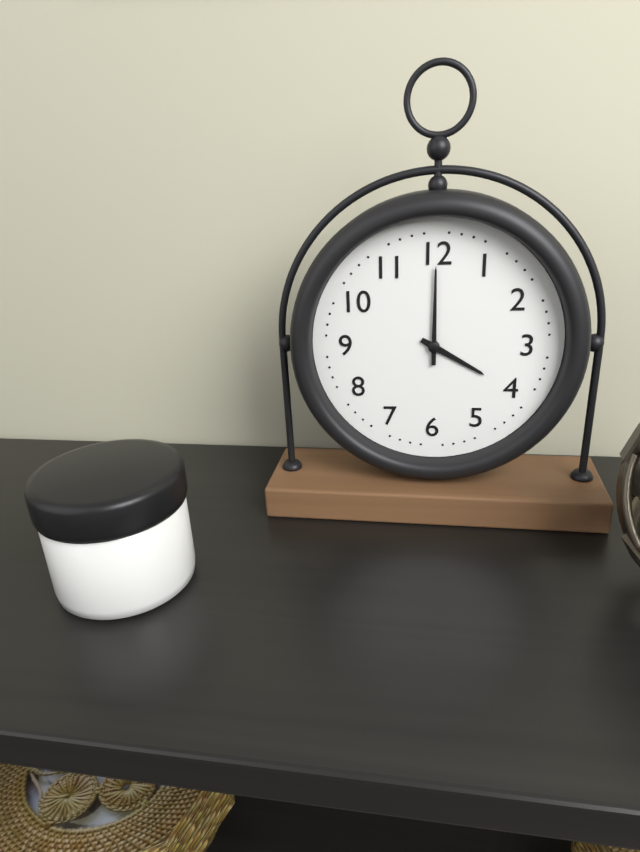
4:00
